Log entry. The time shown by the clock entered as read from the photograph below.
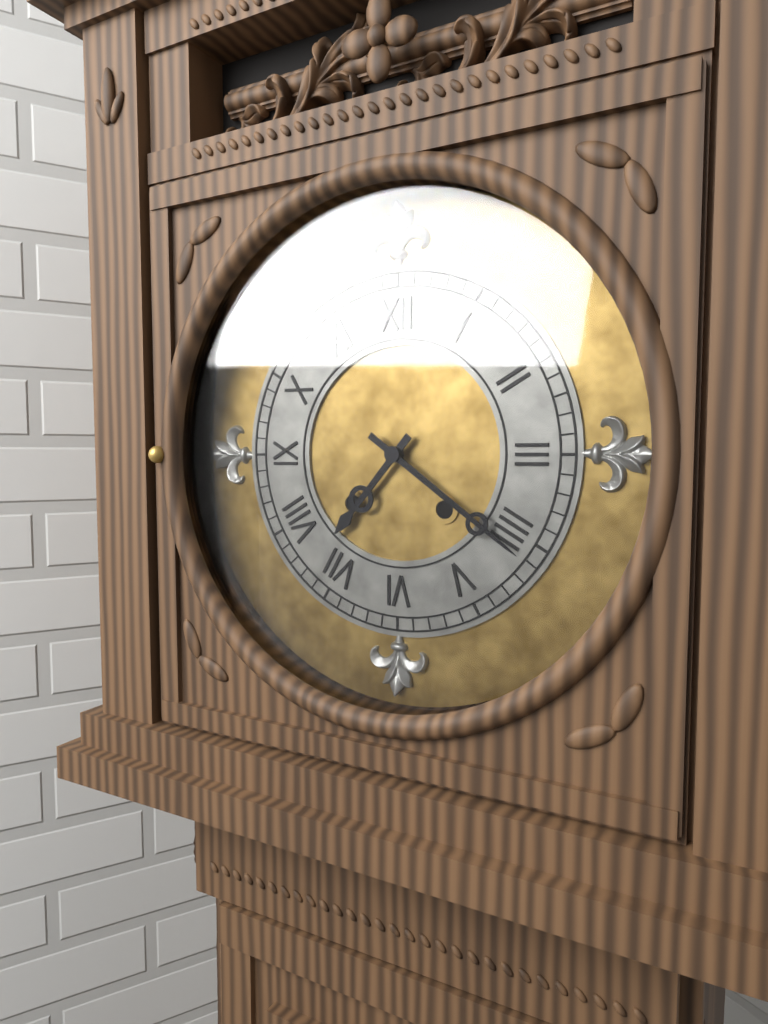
7:21
